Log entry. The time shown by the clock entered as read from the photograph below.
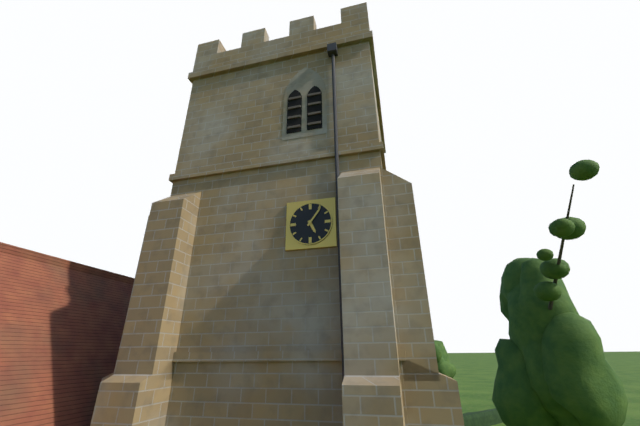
5:06
